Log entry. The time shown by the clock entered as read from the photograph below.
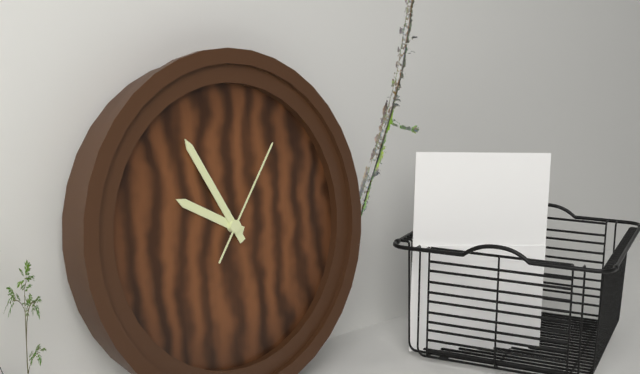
9:55:06
